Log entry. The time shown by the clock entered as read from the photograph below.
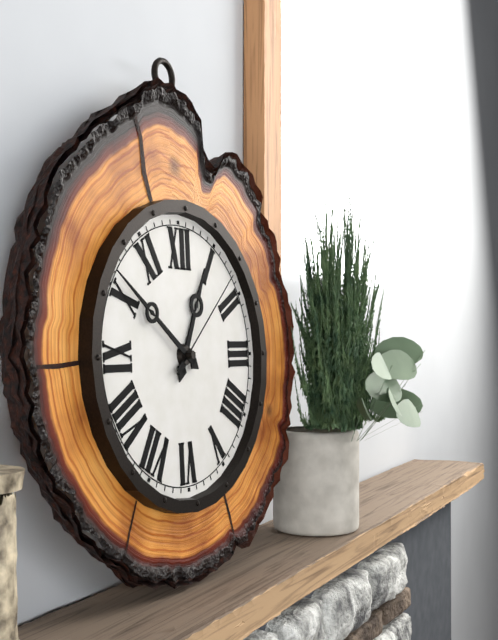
12:51:08
